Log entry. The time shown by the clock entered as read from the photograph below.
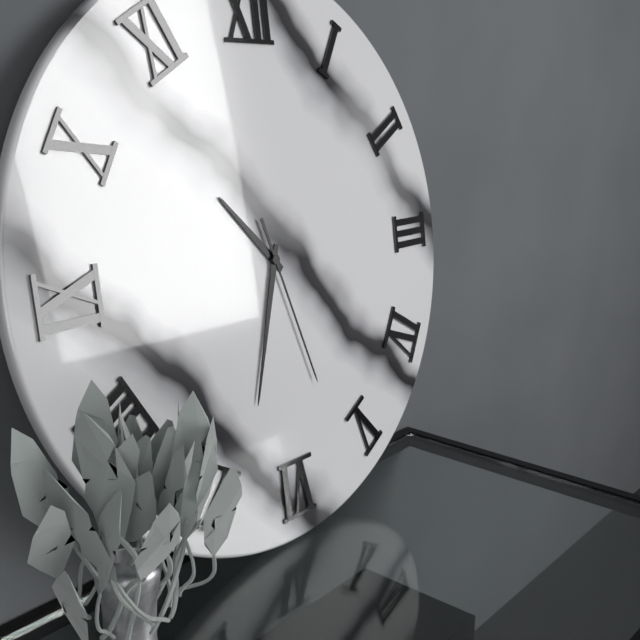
10:33:27
